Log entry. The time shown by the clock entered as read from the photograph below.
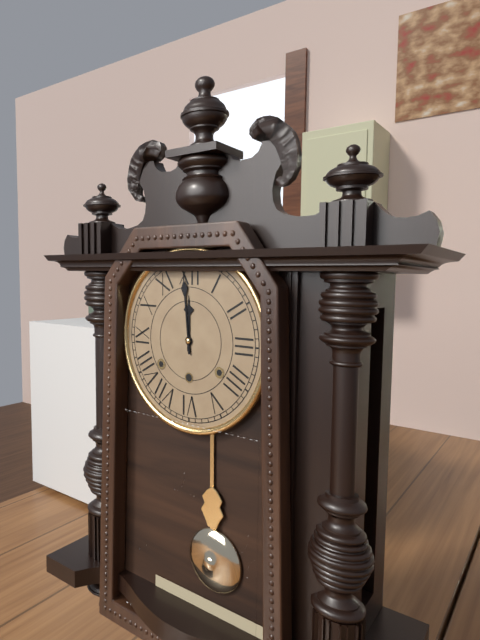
11:59
